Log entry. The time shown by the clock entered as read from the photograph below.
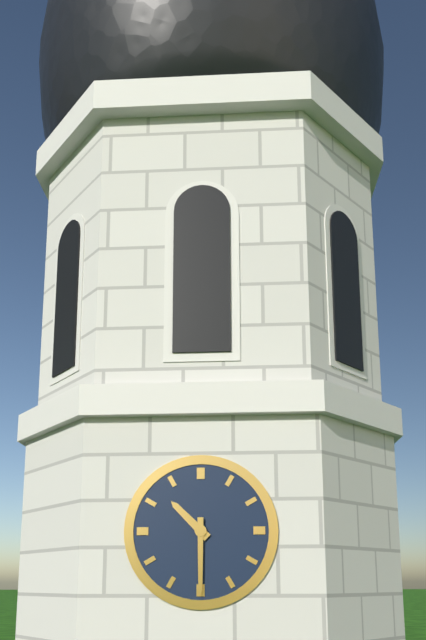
10:30
